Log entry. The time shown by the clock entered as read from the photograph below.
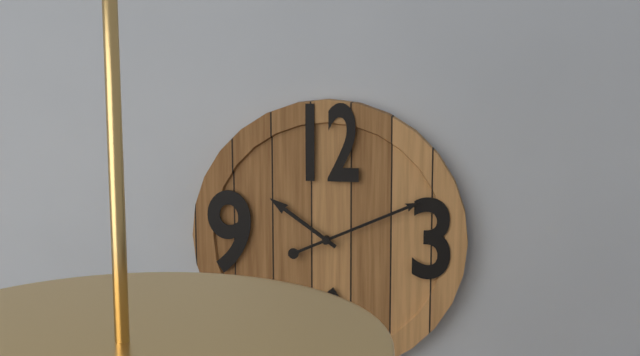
10:11
